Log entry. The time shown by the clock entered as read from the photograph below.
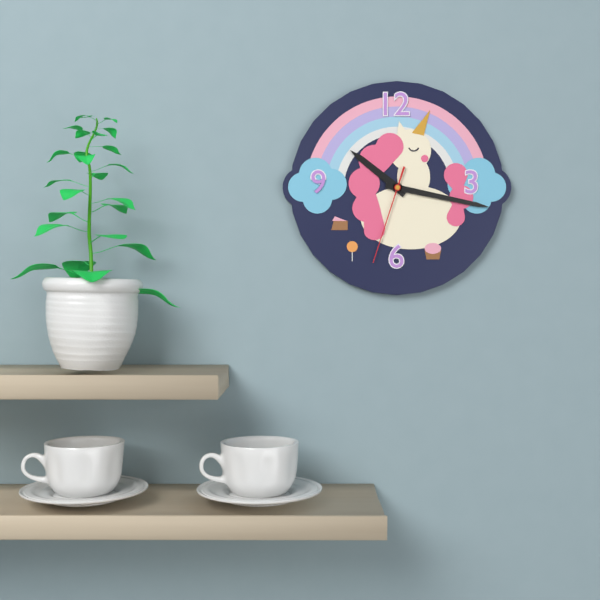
10:17:33
